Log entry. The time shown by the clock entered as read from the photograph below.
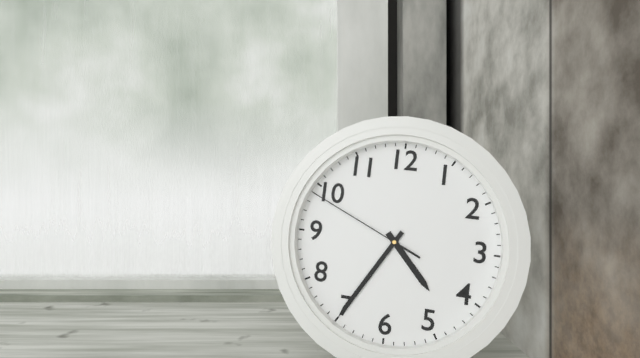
4:35:49
